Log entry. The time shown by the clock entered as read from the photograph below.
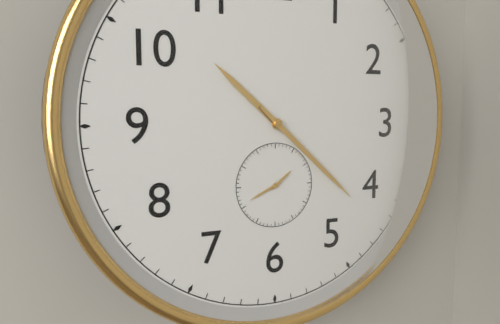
10:22
